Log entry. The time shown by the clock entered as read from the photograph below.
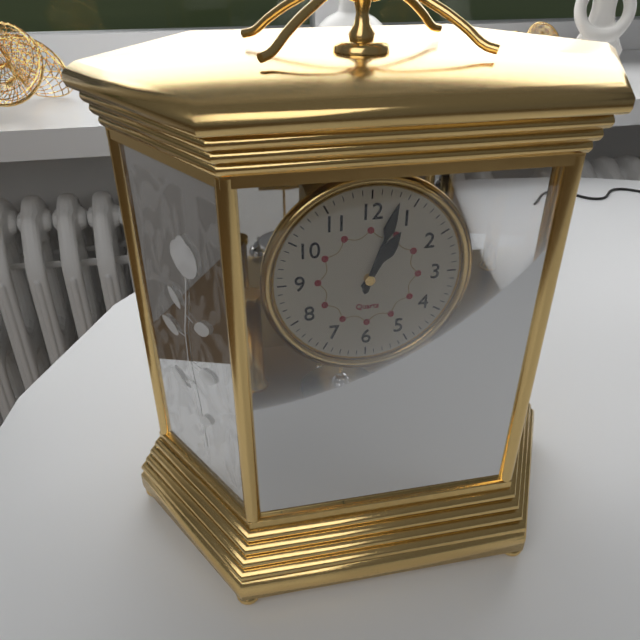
1:03
